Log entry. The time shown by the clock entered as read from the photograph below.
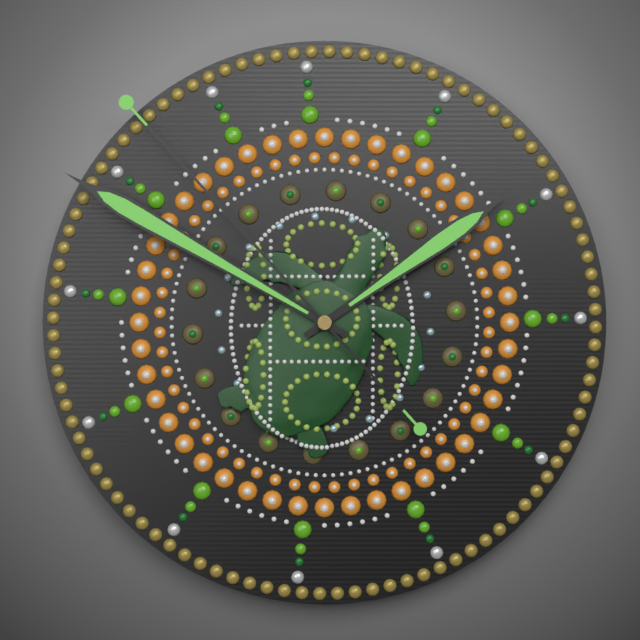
1:50:53
